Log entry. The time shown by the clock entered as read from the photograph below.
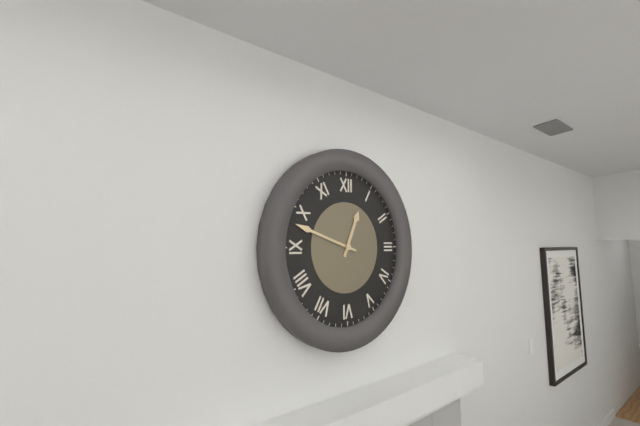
12:48
